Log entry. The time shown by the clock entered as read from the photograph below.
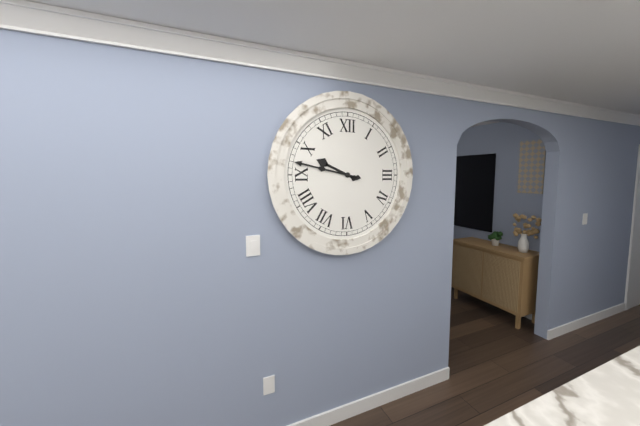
9:47
